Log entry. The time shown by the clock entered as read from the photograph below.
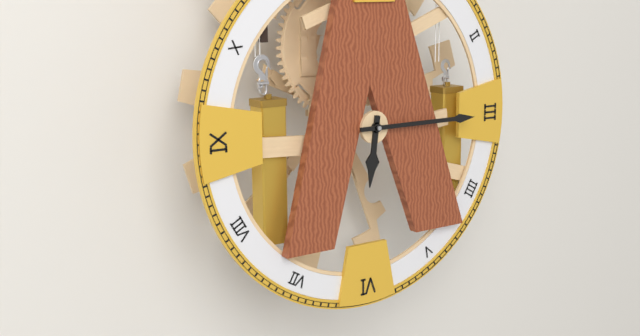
6:15
